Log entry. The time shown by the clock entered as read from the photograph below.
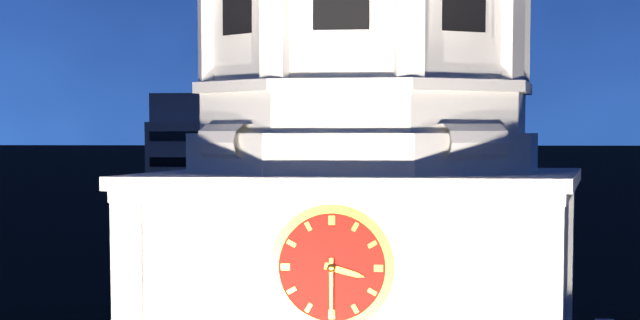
3:30
